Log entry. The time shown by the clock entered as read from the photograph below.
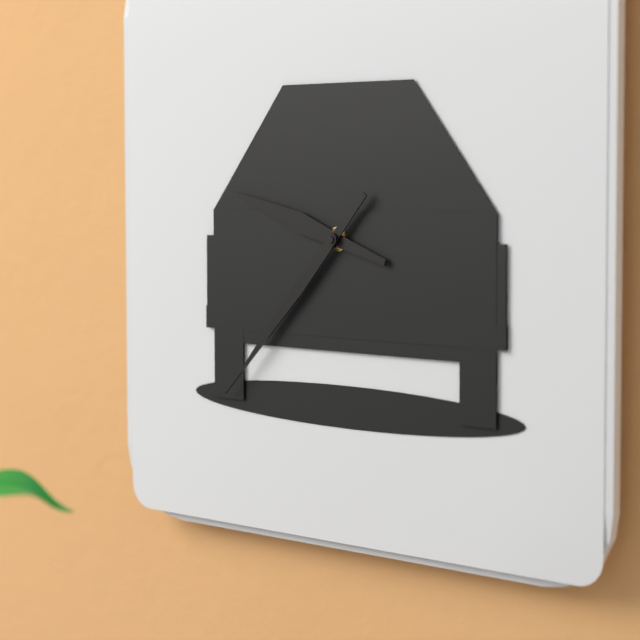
9:37
